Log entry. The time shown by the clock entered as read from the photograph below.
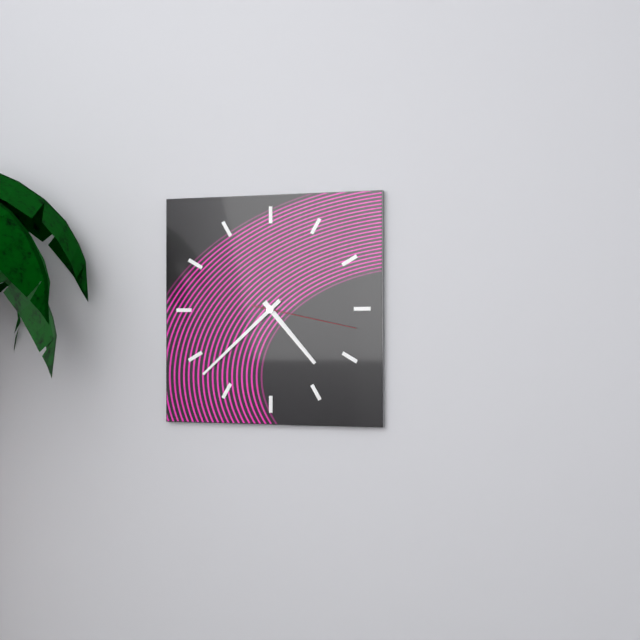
4:38:17
